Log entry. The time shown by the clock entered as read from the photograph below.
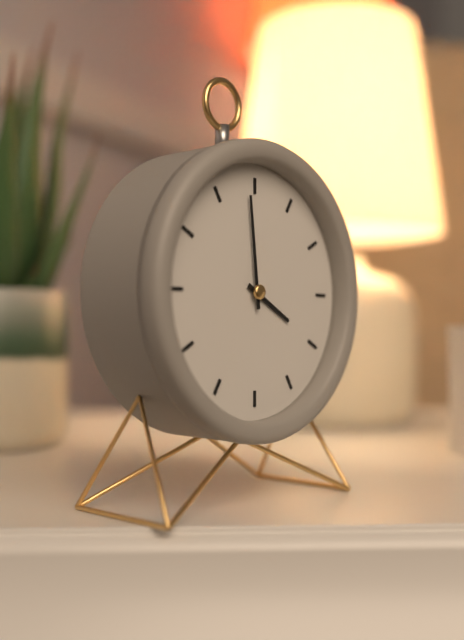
3:59
